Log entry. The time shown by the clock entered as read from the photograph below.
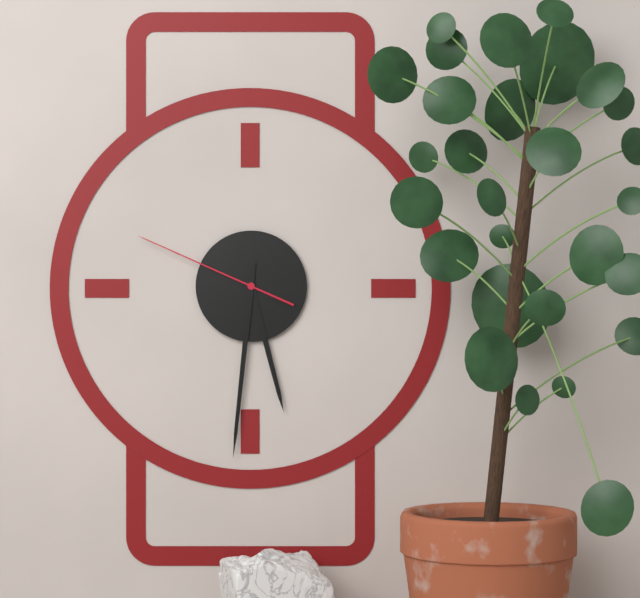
5:31:49
